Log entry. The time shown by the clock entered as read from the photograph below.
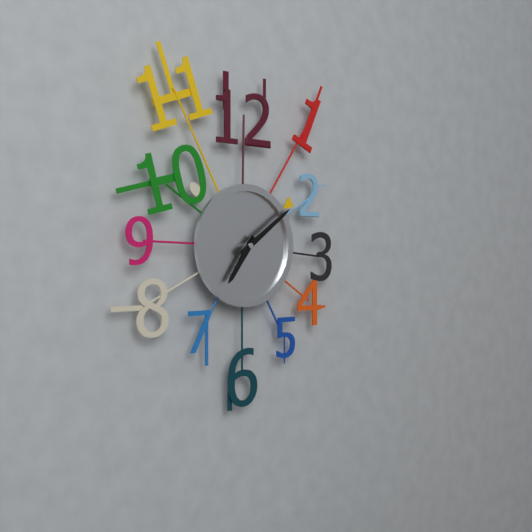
7:09
